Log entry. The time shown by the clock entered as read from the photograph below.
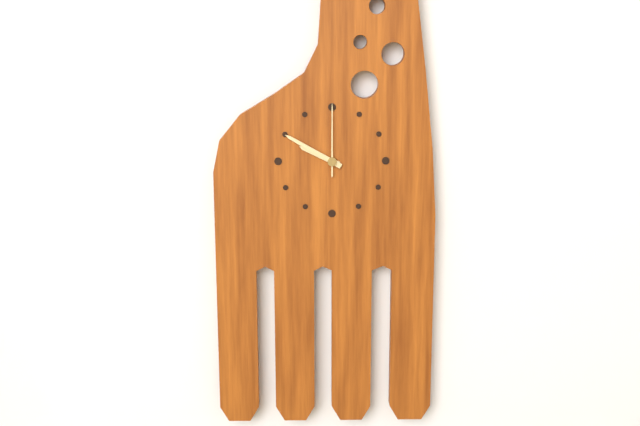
9:50:00
